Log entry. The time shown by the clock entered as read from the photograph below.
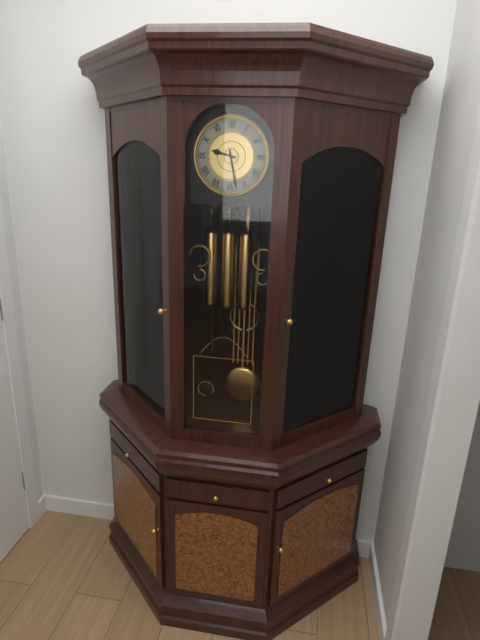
9:28
